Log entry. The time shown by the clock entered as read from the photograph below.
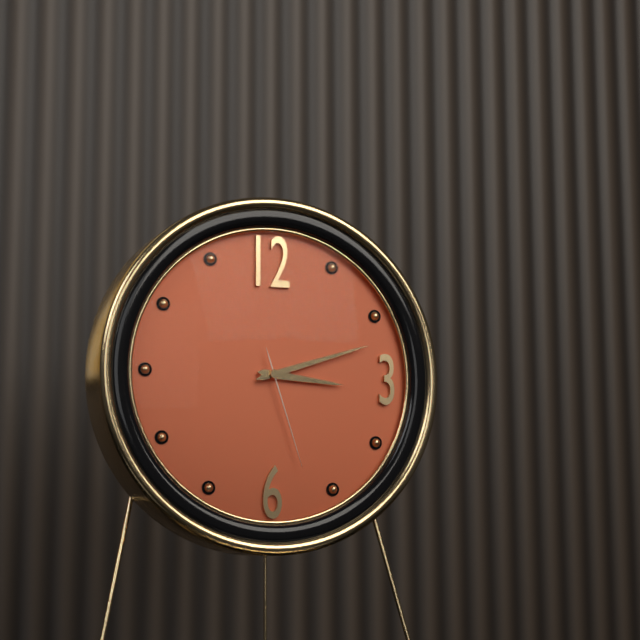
3:12:27
